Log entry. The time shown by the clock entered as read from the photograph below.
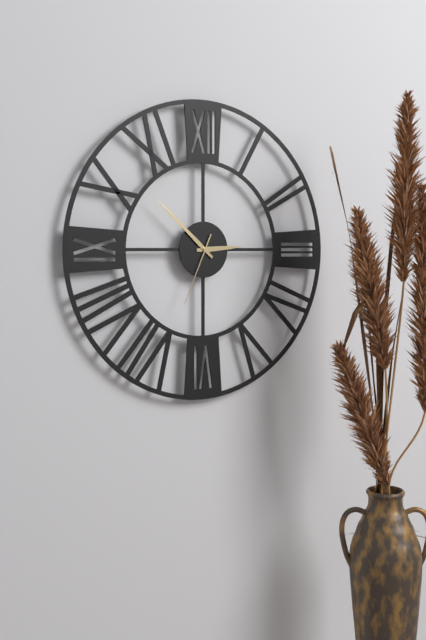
2:52:34
